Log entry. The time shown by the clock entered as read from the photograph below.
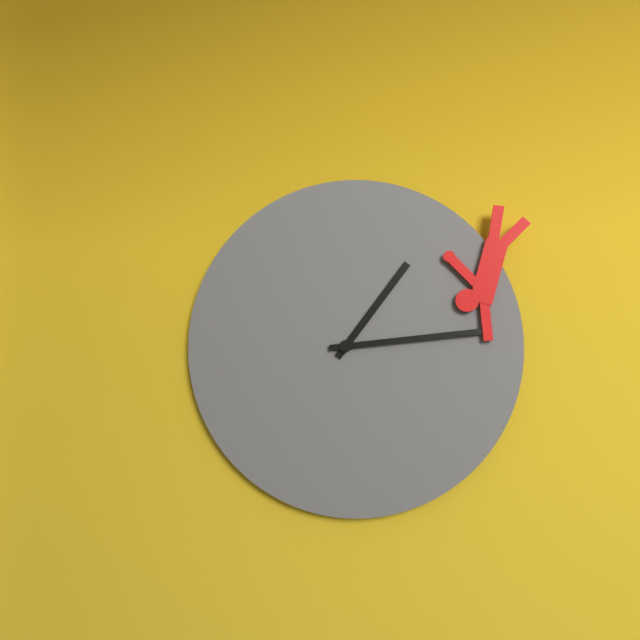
1:14
